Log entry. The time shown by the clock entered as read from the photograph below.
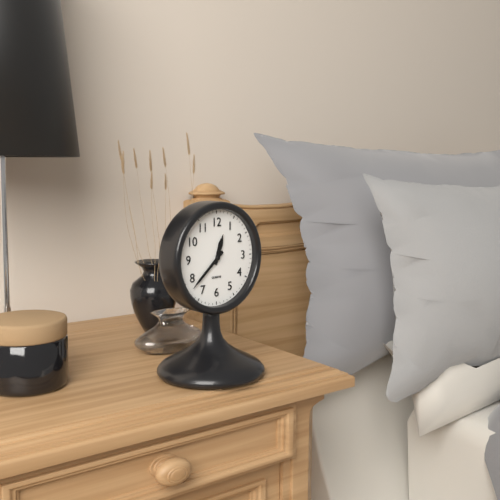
12:38
